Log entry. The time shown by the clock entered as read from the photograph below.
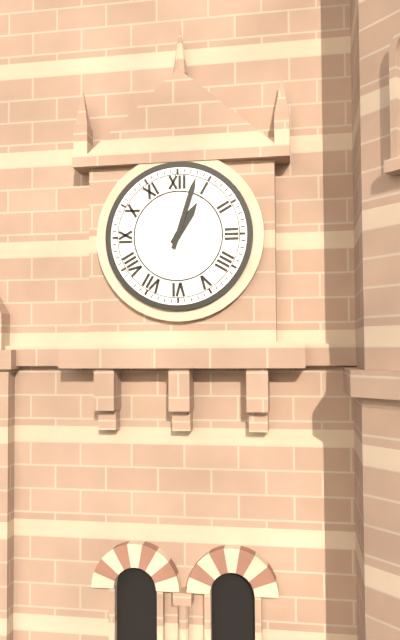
1:03
